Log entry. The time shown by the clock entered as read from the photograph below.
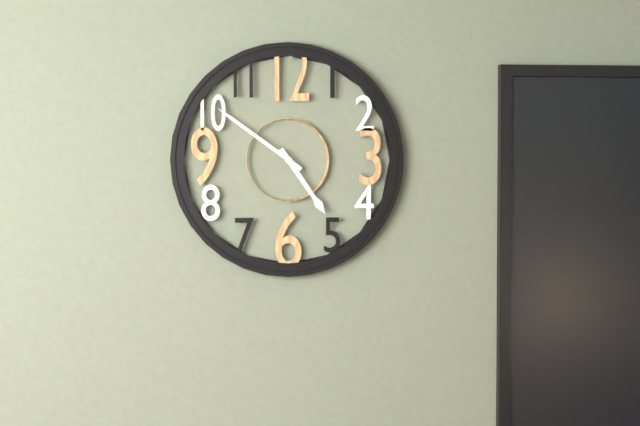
4:51
